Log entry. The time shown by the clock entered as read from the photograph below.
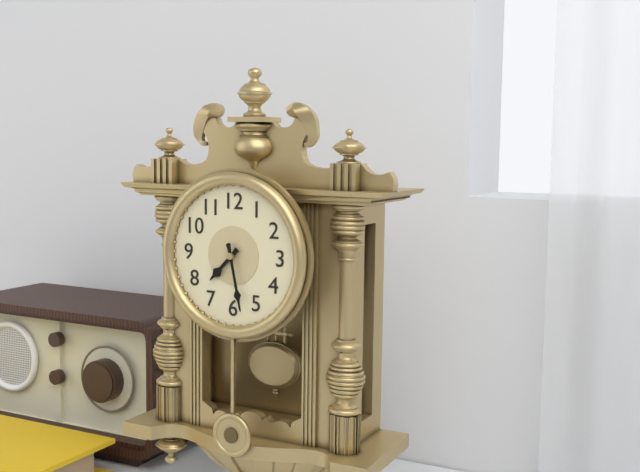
7:28
